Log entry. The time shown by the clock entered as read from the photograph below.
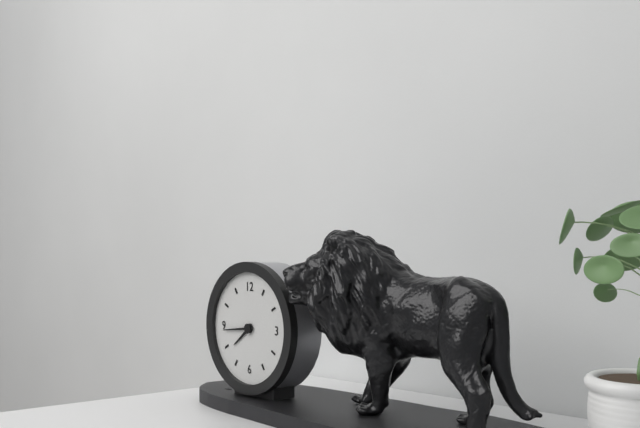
7:44
